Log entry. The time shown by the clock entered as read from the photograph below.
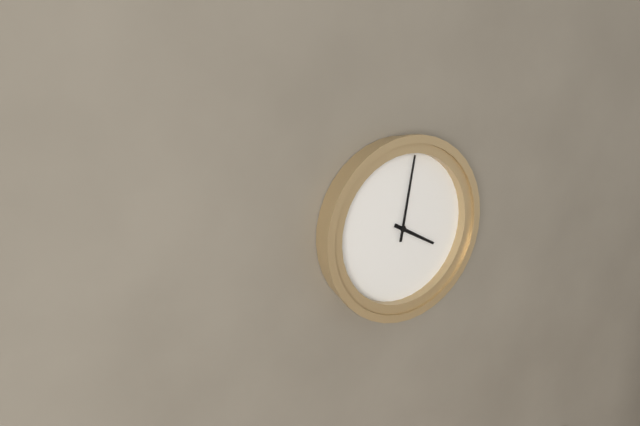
4:02
